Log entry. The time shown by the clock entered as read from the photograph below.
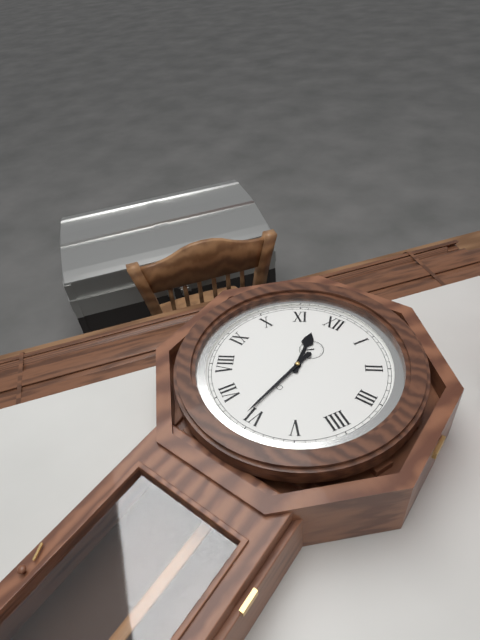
11:31
